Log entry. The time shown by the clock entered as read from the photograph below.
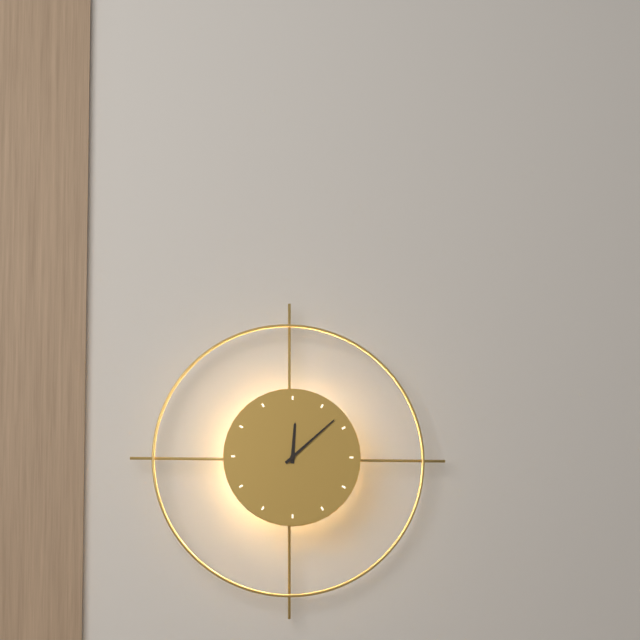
12:08
